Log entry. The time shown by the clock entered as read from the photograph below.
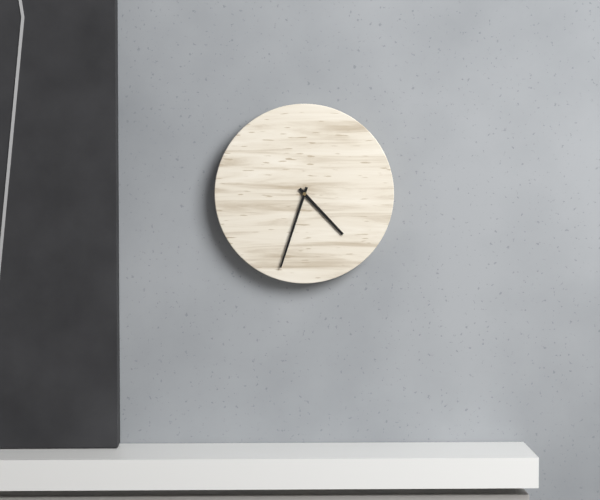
4:33
